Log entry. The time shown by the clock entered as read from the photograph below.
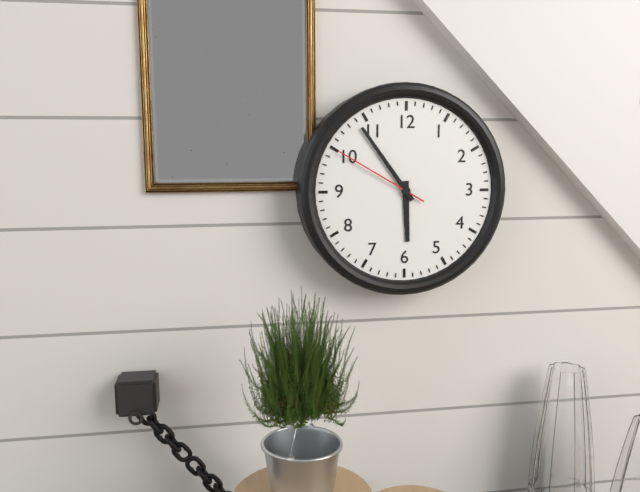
5:54:50
